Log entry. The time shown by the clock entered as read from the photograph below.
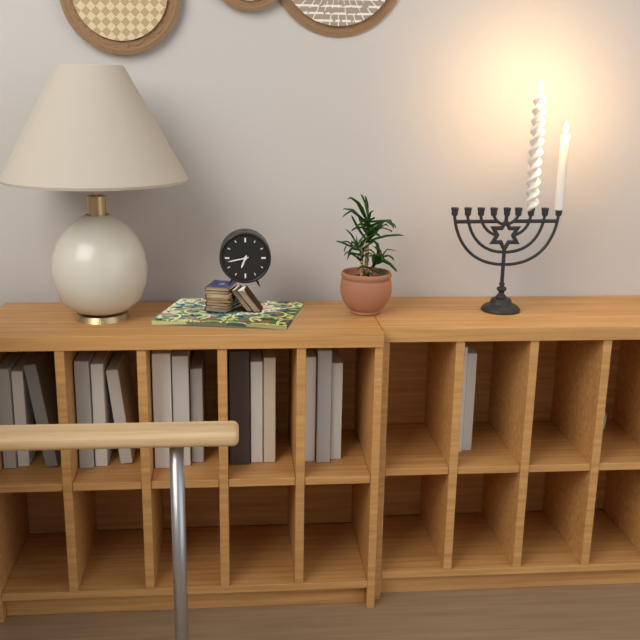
6:43
